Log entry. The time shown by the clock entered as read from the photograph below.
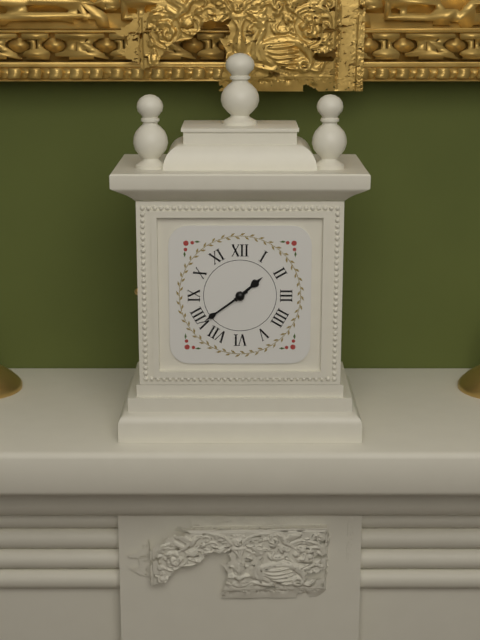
1:39
